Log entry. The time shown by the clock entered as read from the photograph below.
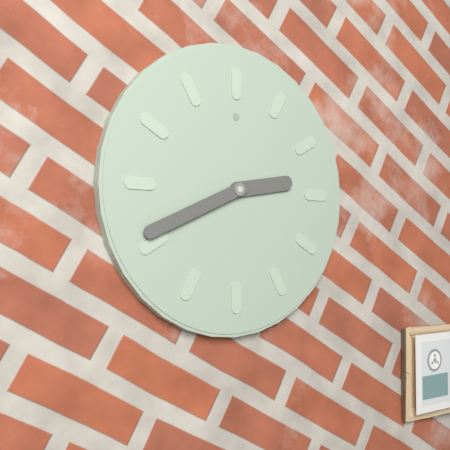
2:41
